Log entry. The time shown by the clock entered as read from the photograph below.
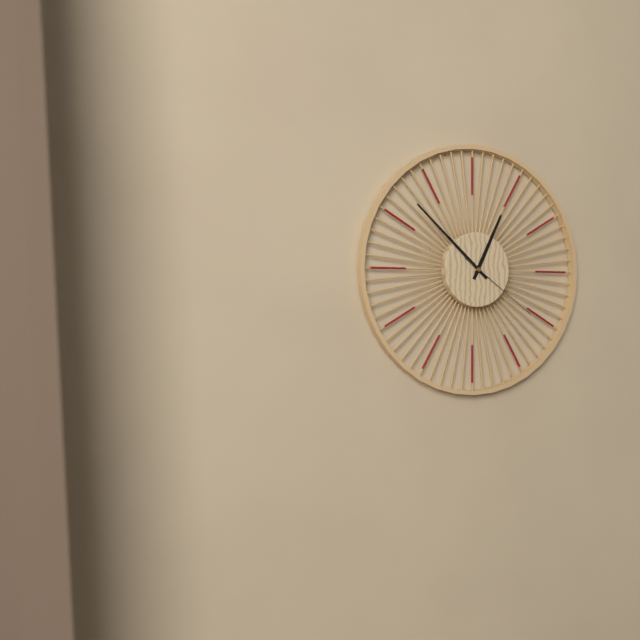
12:52:21
